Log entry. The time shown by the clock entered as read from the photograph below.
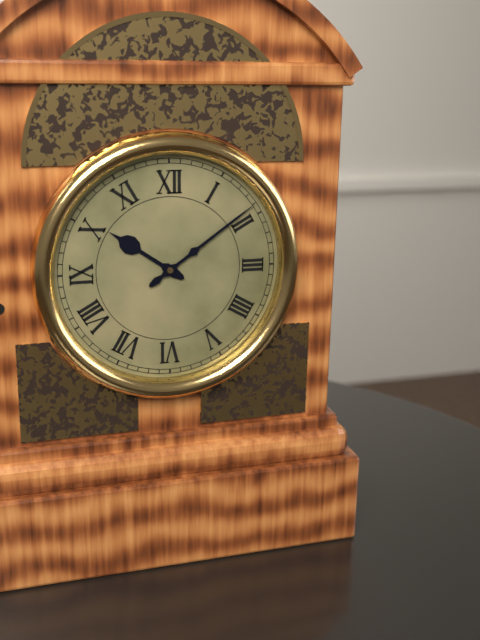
10:09
